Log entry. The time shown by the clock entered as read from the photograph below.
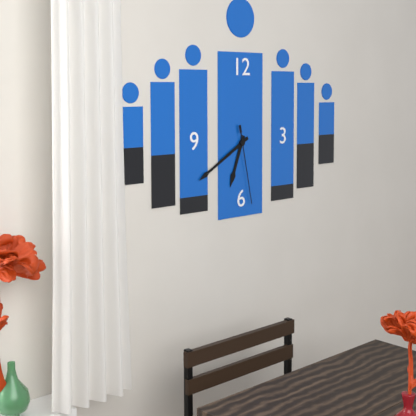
6:40:28
